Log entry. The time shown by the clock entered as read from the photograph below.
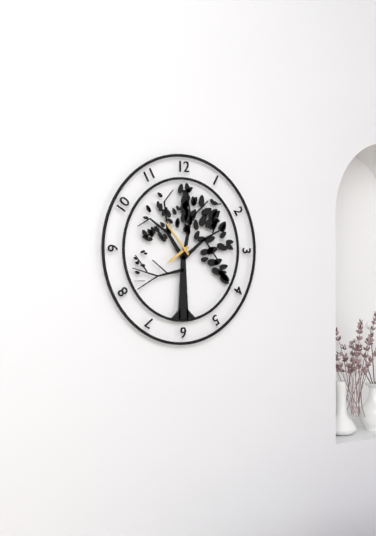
7:53
